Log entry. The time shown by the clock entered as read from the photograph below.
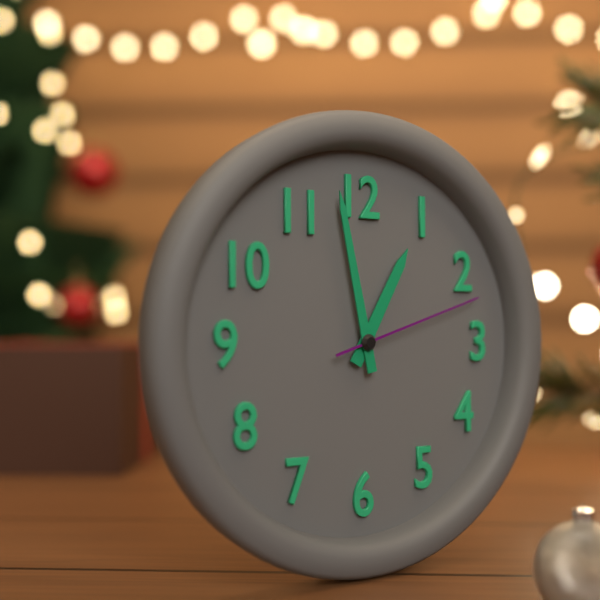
12:58:12
